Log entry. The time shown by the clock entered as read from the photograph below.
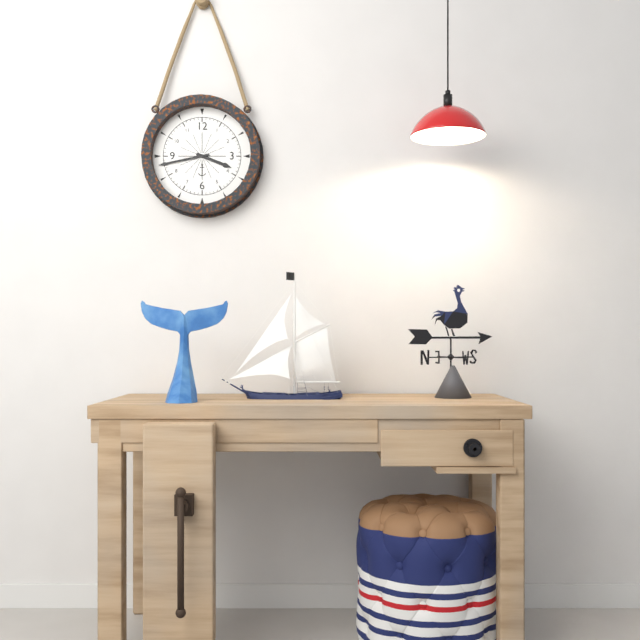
3:43
